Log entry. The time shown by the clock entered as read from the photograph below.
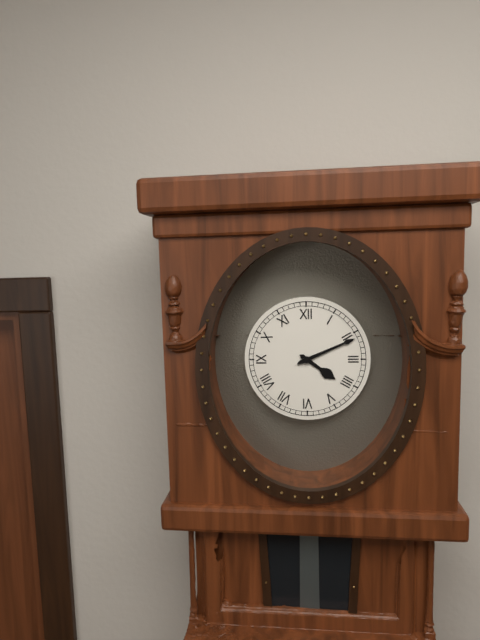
4:11
